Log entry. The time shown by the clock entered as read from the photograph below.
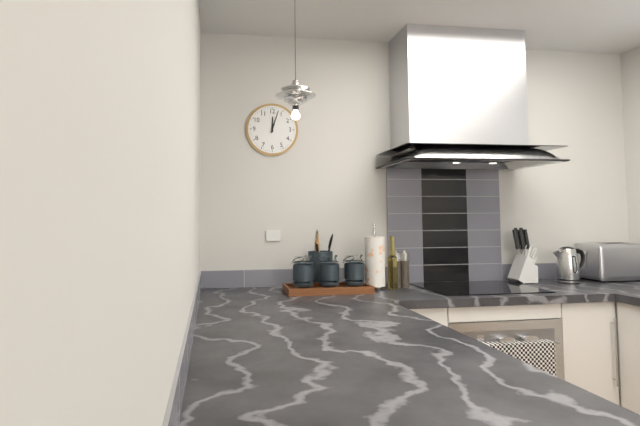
12:03
